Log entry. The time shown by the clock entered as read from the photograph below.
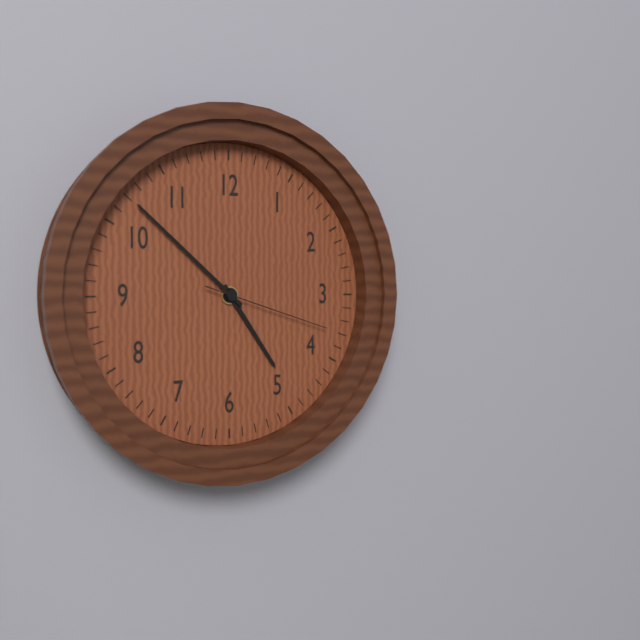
4:52:18
